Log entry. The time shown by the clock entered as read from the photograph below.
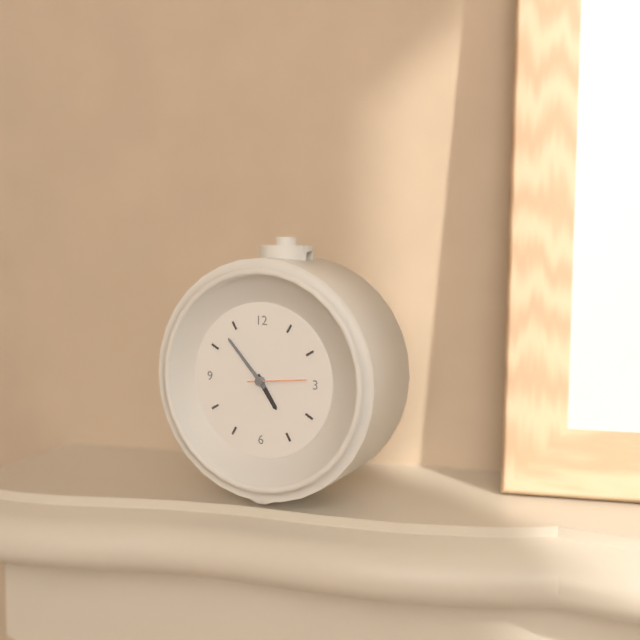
4:53:14
